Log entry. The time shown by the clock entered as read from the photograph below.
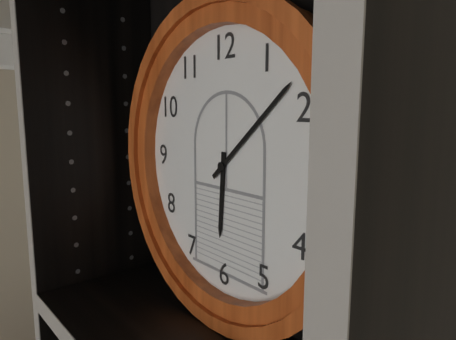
6:08
